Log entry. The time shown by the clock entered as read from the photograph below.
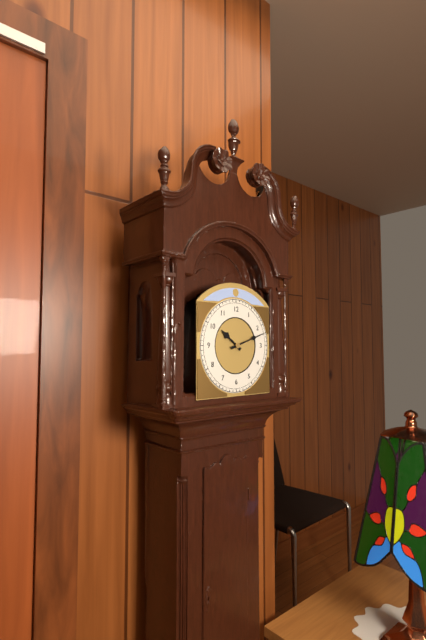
10:12
